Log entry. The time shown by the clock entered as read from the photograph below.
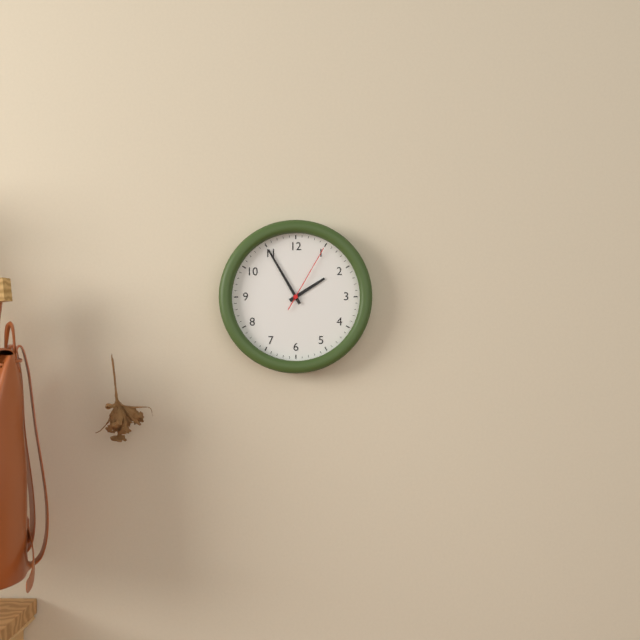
1:55:05
